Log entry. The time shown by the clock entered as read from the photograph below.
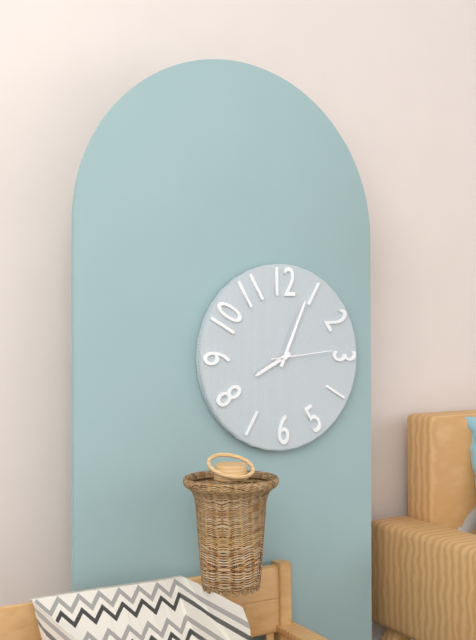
8:04:14
